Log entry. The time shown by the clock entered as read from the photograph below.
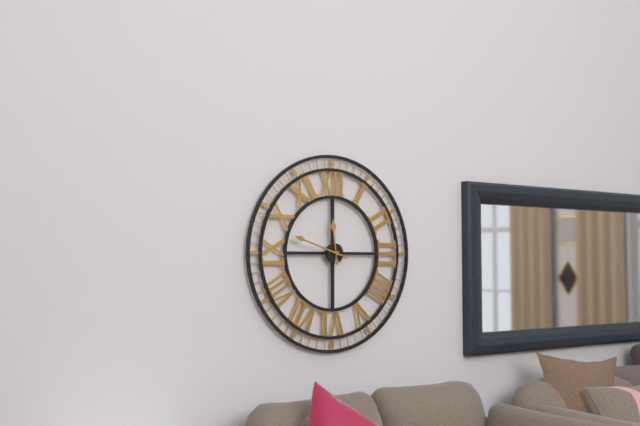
11:48
